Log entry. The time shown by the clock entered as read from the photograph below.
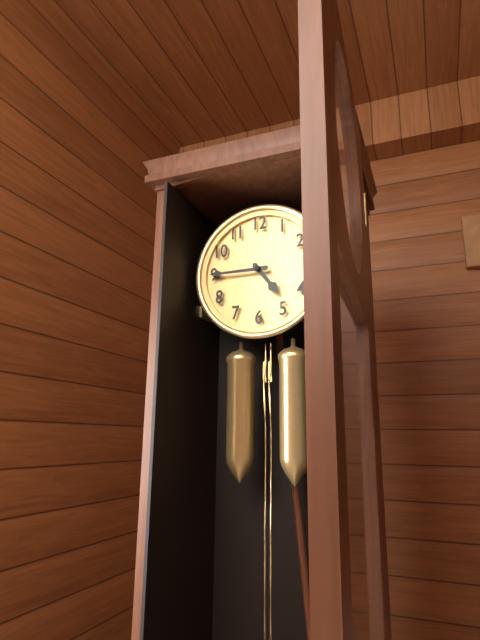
4:45
